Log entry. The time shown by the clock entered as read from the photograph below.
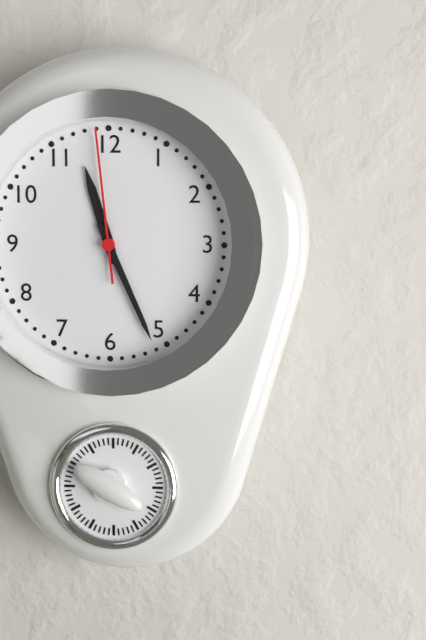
11:26:59
